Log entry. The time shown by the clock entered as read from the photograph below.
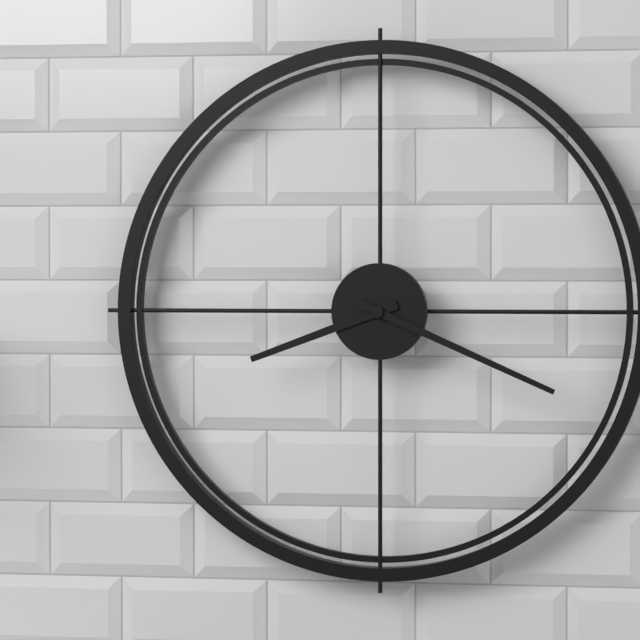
8:19
